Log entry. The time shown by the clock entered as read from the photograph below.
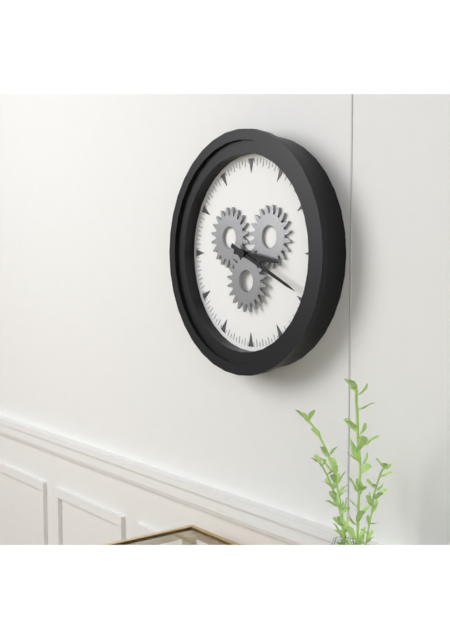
3:19
